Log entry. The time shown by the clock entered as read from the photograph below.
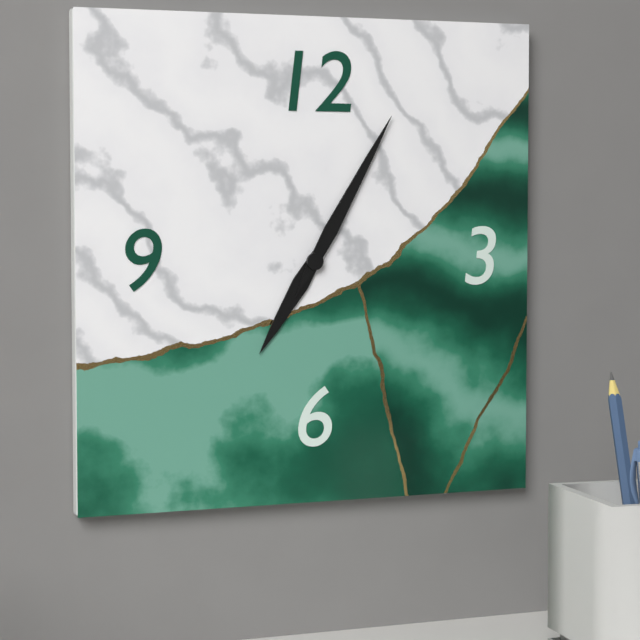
7:05
